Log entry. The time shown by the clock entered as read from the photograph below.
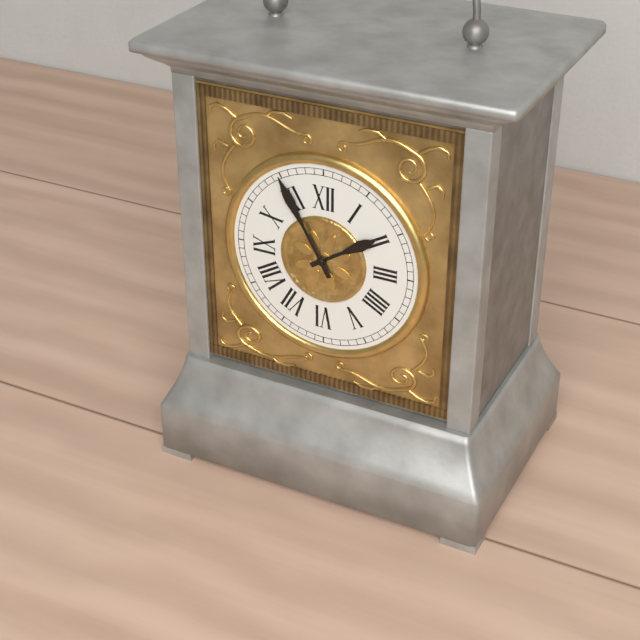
1:55
